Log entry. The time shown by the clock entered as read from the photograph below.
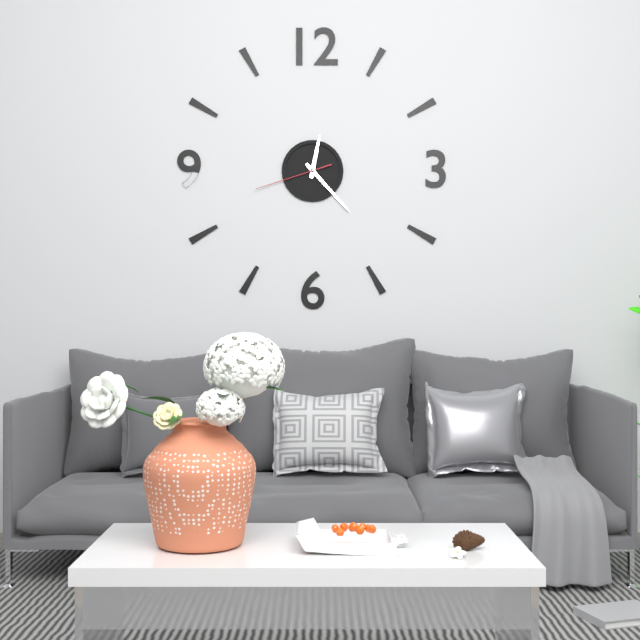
12:23:42
